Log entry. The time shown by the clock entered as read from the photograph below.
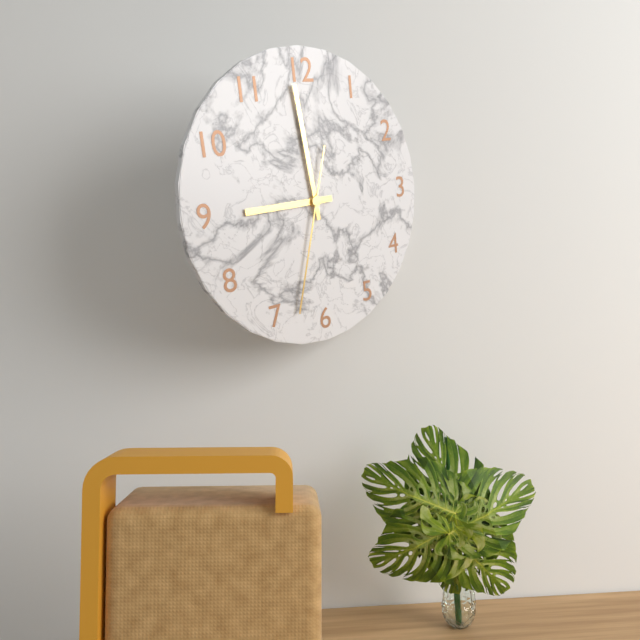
8:59:33
